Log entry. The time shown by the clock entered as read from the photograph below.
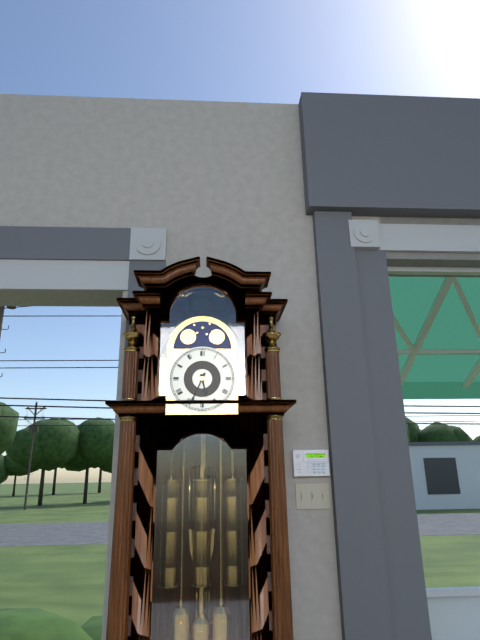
5:34
